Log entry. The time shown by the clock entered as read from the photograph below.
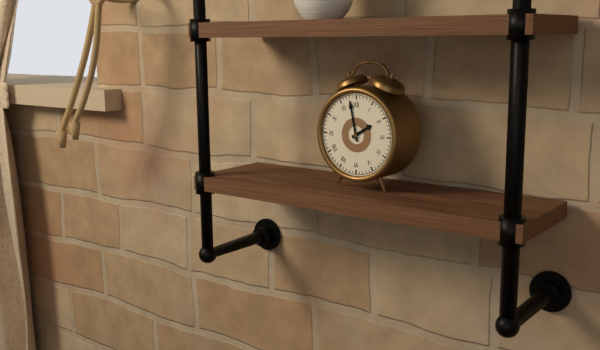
1:58
